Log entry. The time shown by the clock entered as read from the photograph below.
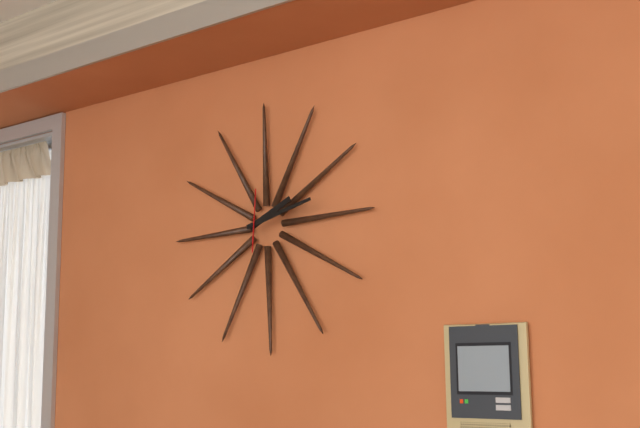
2:13
